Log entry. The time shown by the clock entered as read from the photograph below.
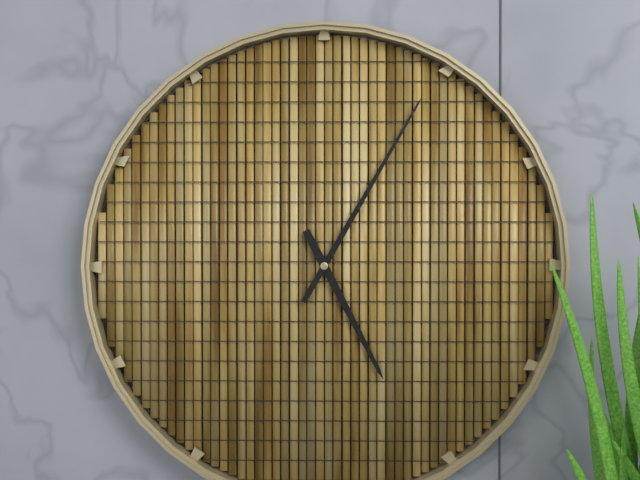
5:05
